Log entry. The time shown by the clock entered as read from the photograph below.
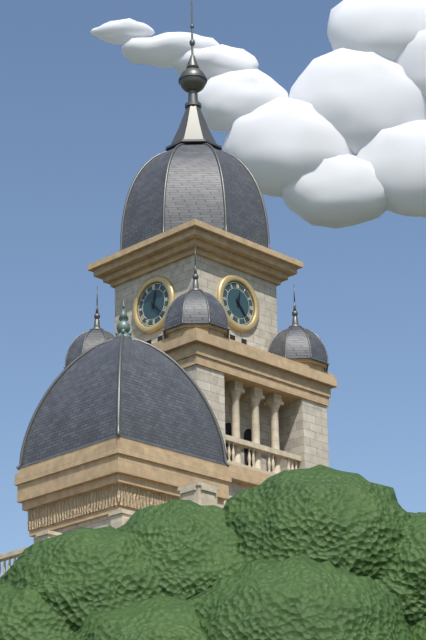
12:23
